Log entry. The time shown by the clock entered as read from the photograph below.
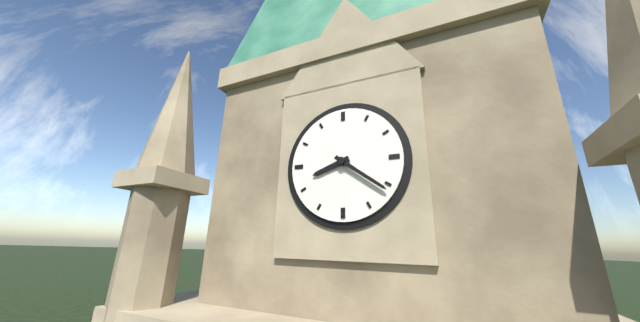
8:21
